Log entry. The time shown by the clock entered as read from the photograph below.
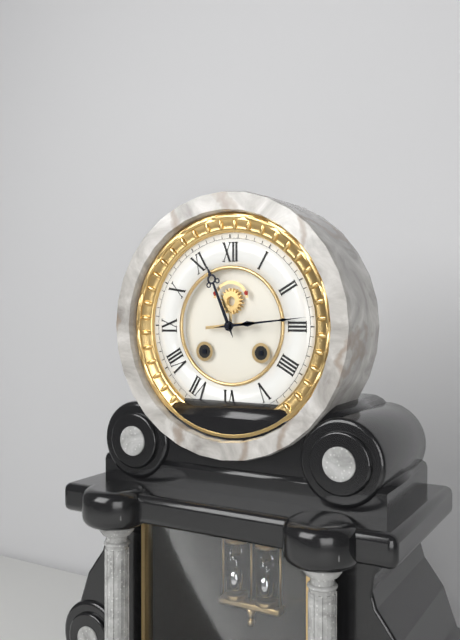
11:14
